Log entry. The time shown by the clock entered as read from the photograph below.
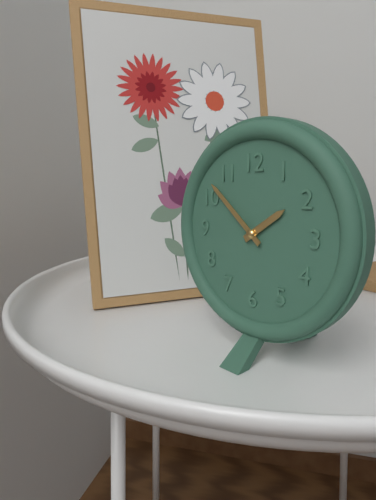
1:52
